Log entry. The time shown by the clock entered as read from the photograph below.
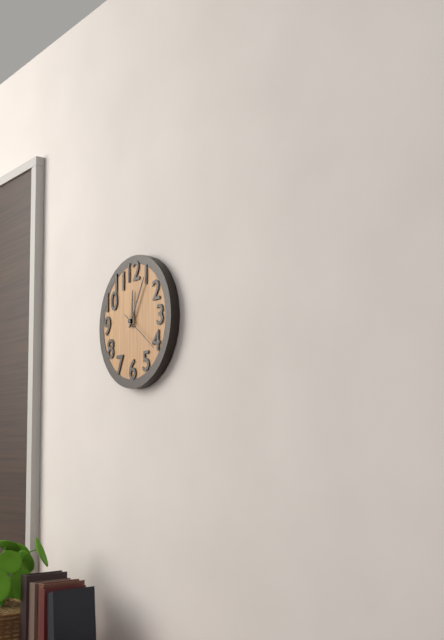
12:05
